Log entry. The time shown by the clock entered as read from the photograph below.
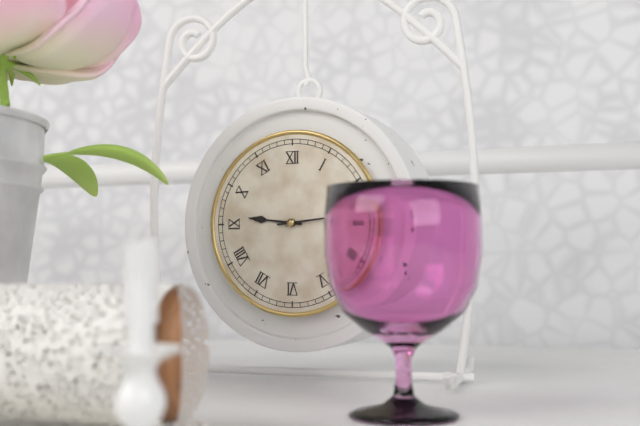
9:14
